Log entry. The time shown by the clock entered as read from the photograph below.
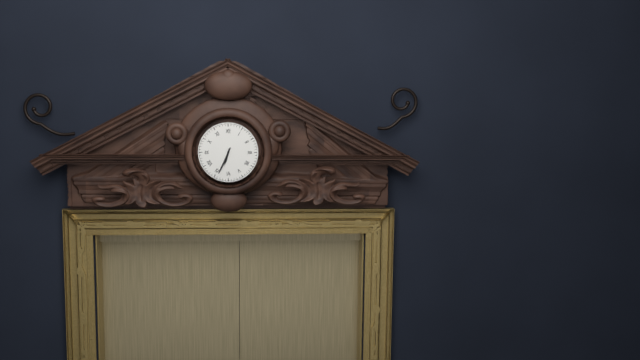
6:34
